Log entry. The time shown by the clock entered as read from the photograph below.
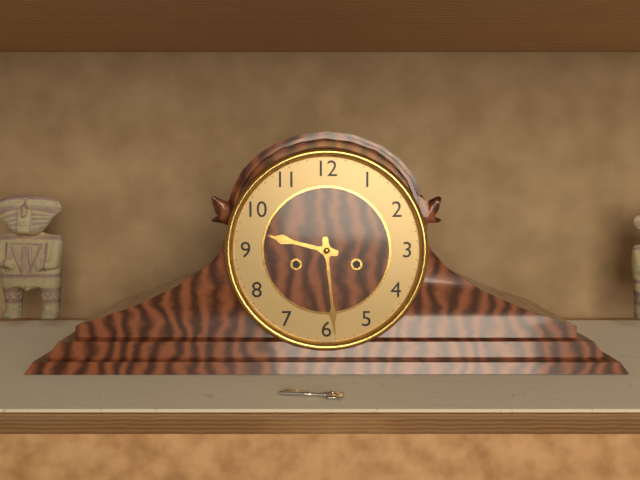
9:29
